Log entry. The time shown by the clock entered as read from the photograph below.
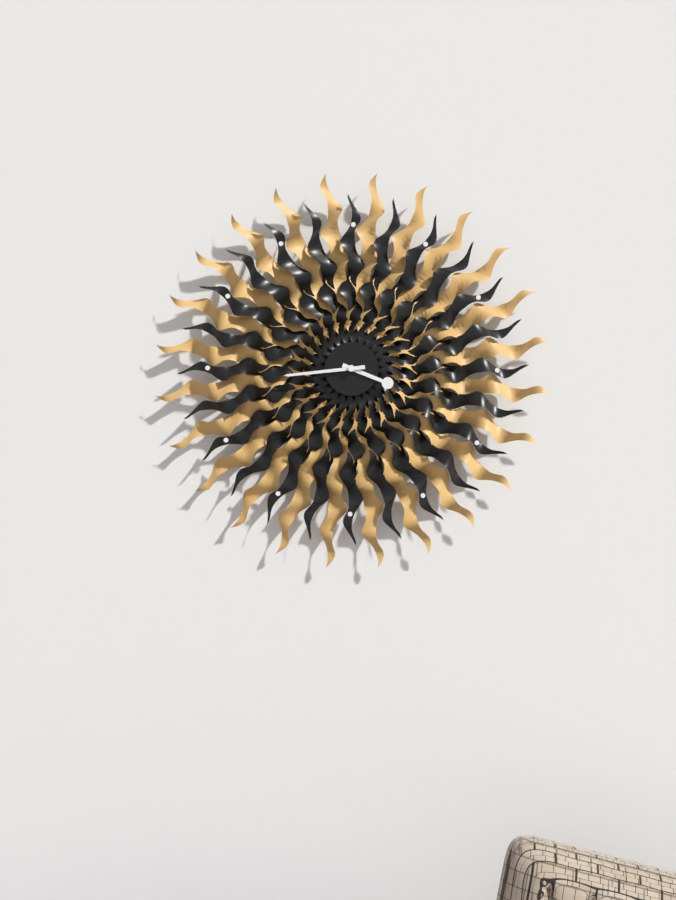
3:44
